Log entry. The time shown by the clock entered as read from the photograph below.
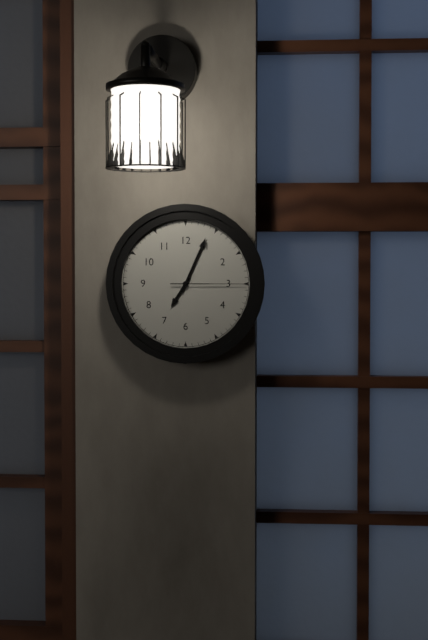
7:04:15
